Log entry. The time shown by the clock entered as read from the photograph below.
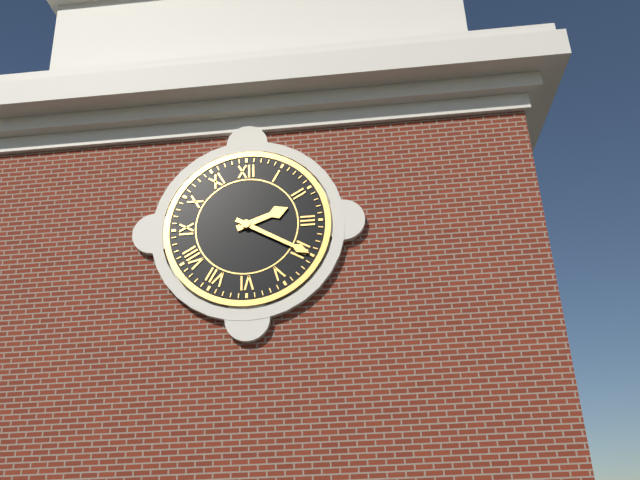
2:20
